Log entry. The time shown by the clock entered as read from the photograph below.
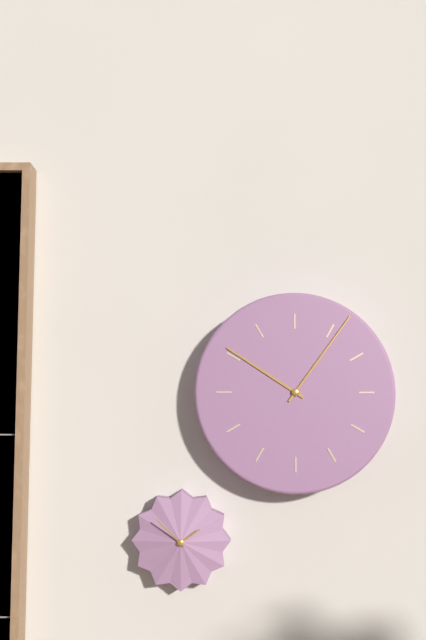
10:06
